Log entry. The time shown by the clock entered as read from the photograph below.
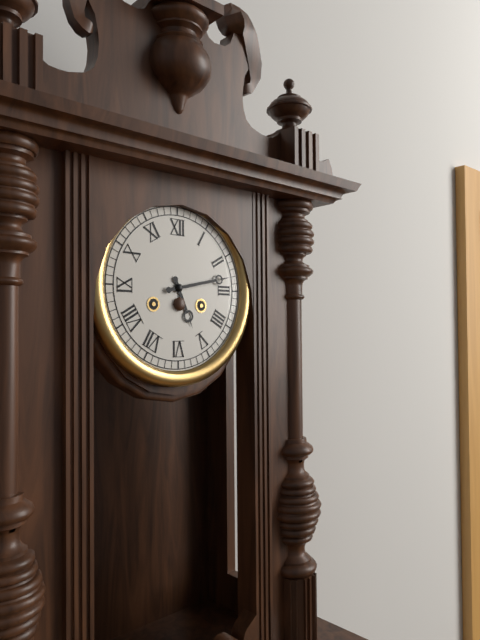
5:13
